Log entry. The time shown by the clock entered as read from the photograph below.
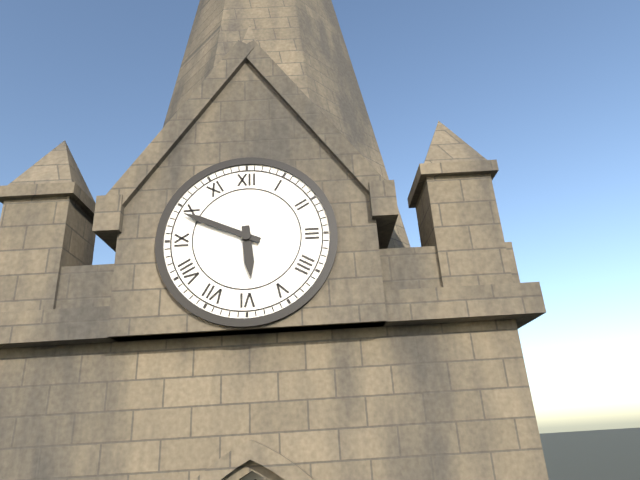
5:49
